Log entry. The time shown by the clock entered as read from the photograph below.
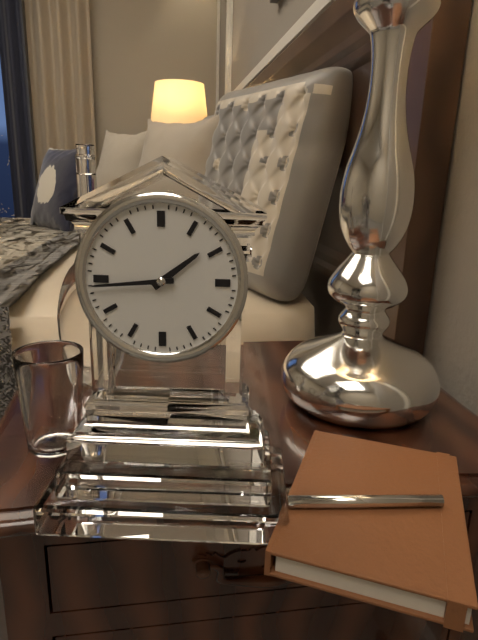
1:44
